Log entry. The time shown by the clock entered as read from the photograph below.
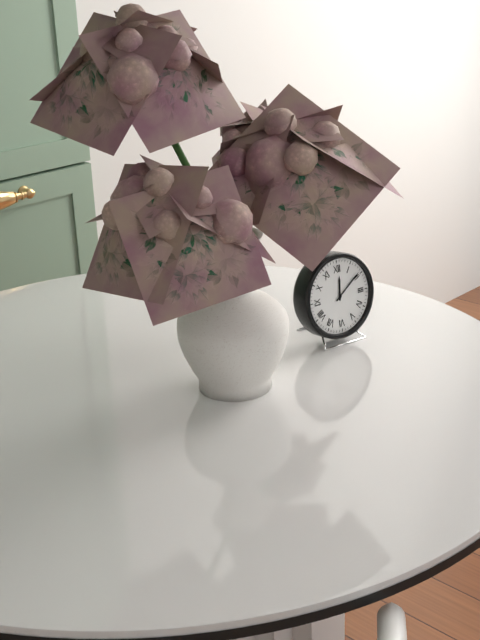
12:09
